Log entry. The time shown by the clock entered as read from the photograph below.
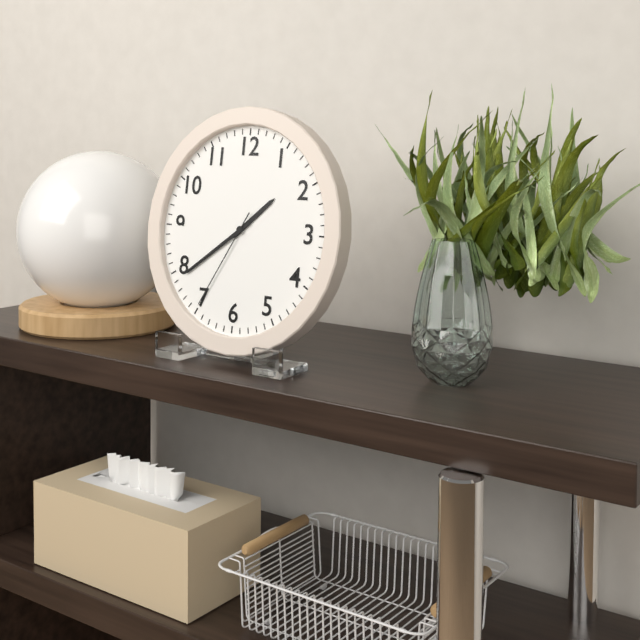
1:39:35
